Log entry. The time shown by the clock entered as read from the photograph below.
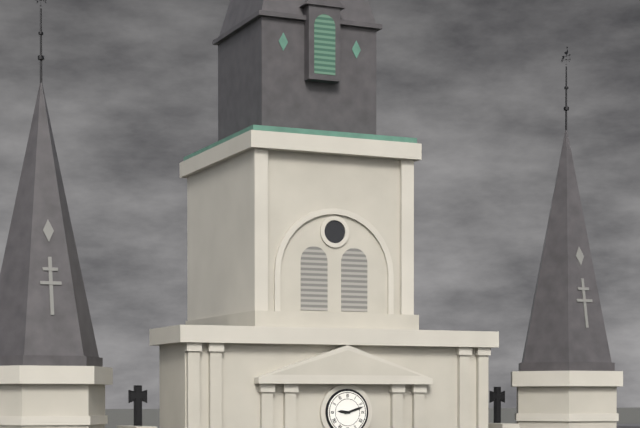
9:12
